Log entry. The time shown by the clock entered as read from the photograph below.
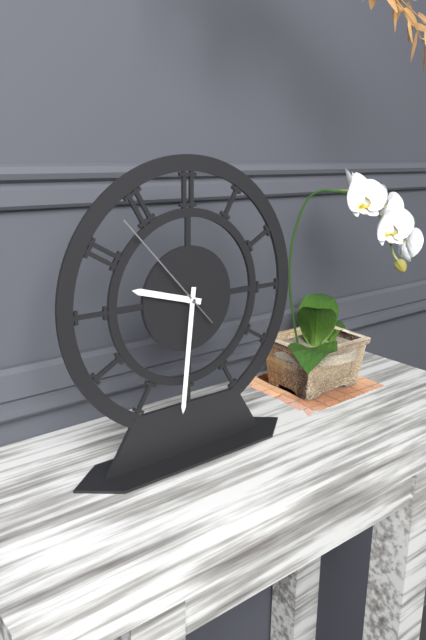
9:31:53
